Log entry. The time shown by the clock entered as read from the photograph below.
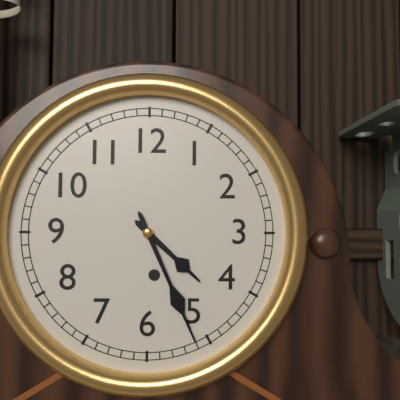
4:26
